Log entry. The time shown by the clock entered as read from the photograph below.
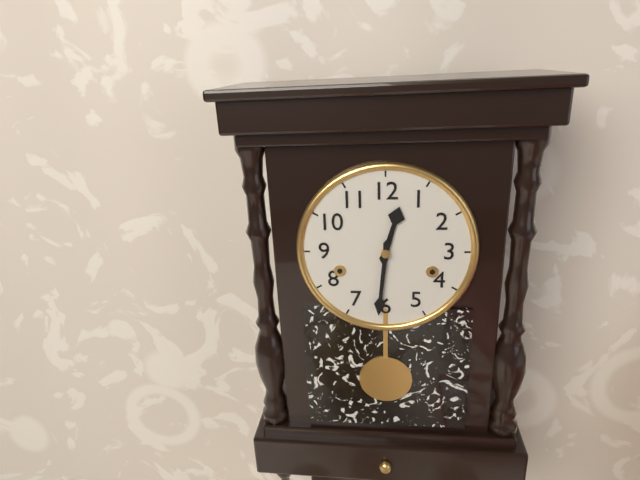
12:31
